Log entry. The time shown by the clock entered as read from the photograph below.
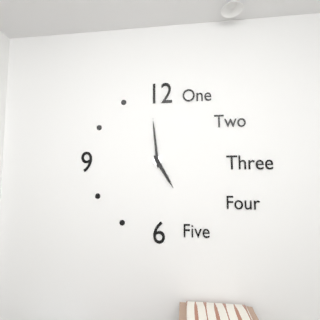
4:59
